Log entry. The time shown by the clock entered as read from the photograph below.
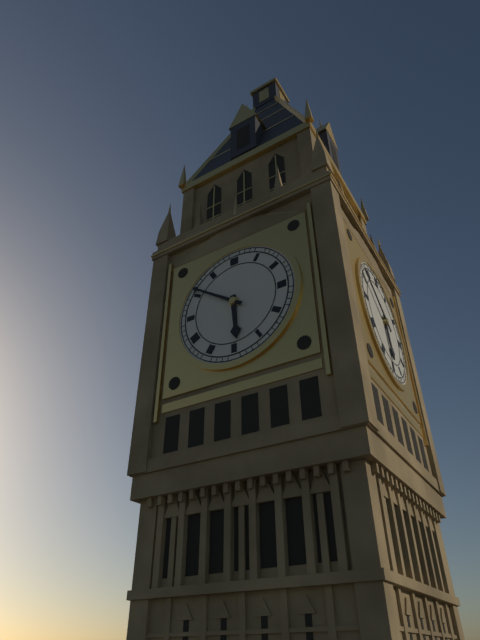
5:51
